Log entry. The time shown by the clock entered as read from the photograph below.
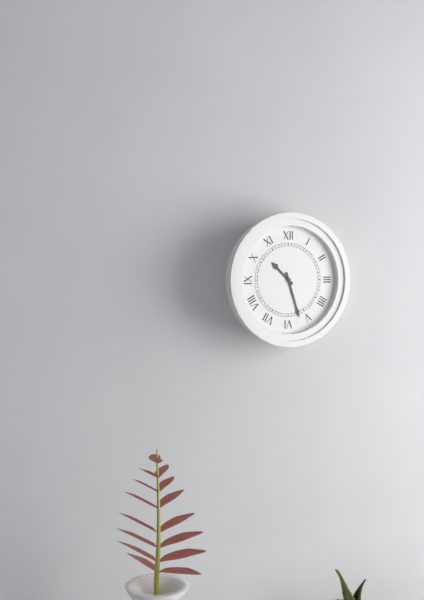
10:27
